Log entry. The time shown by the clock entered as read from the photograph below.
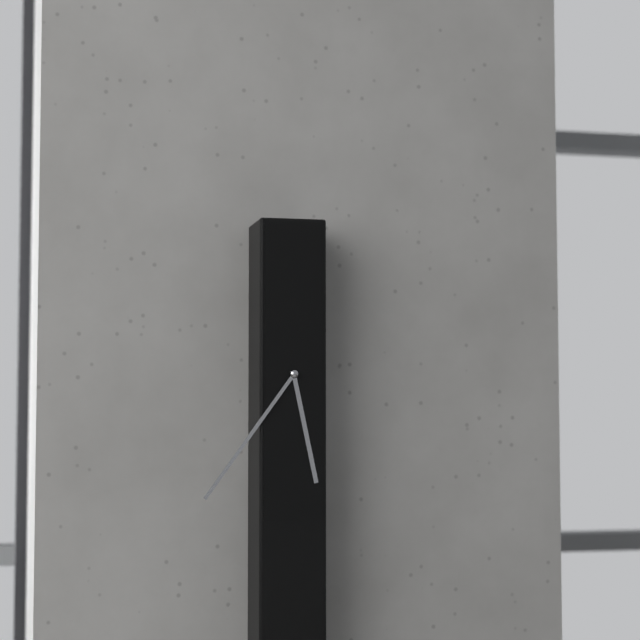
5:36
